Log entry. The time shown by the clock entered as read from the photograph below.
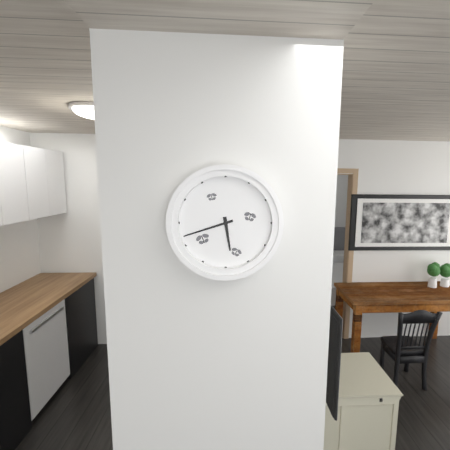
5:42
